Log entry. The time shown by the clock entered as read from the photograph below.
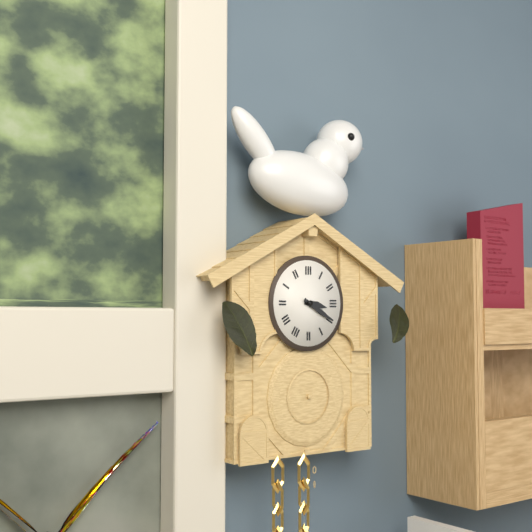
3:20
